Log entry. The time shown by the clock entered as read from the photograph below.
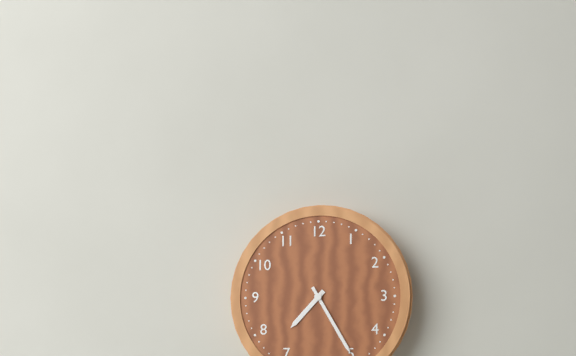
7:25
